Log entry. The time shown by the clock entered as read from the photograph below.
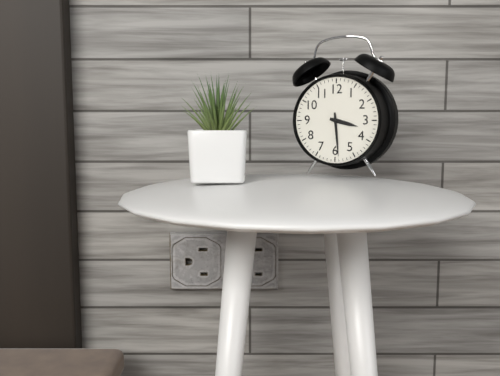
3:29
